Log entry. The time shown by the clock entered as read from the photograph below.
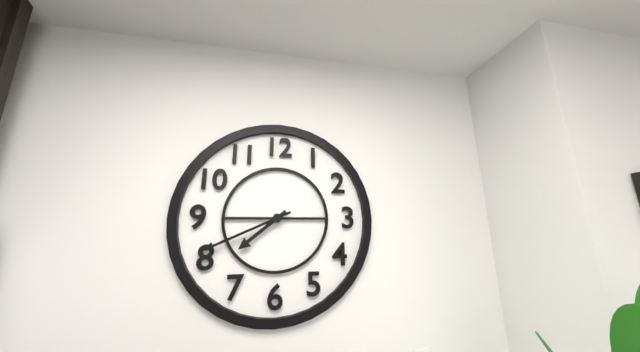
7:41
